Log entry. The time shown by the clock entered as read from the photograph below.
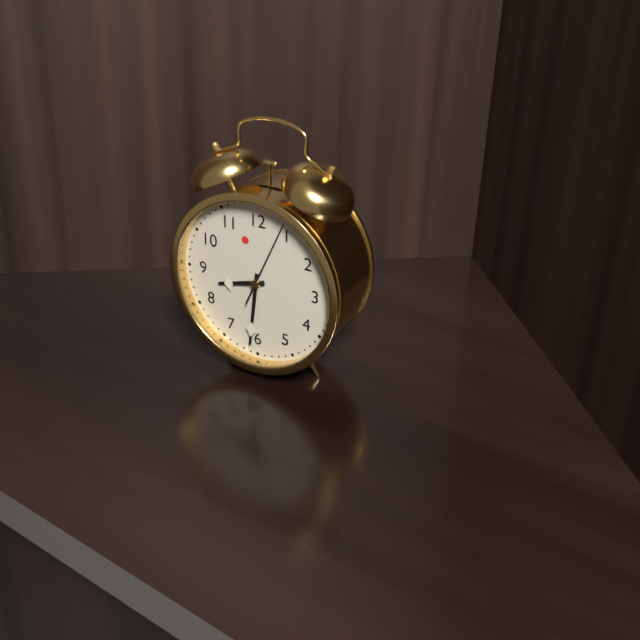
8:31:04
